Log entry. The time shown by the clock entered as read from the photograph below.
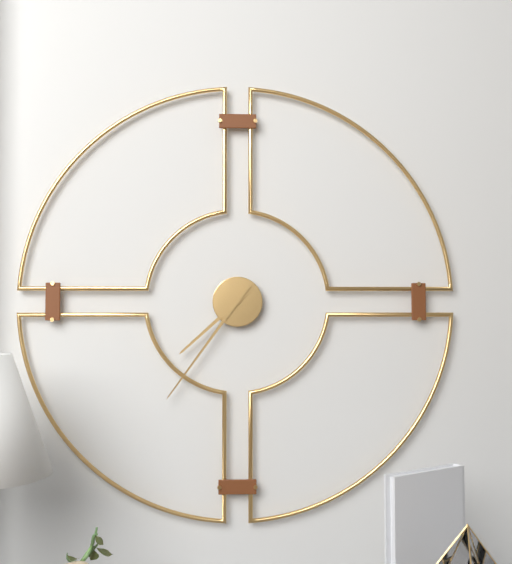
7:36
